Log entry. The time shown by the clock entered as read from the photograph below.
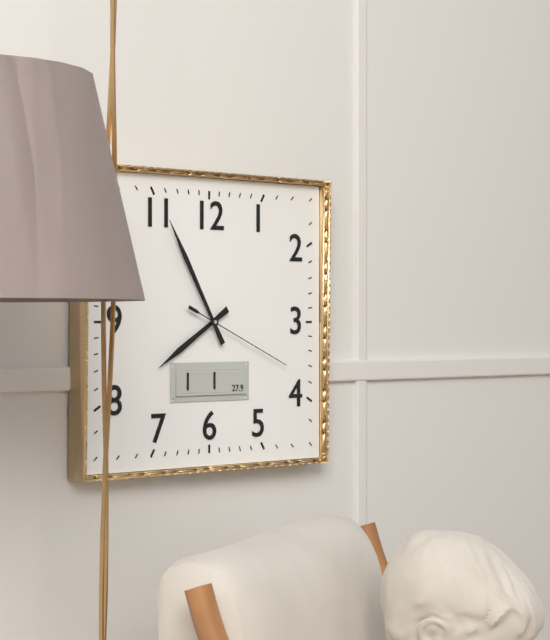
7:55:19
